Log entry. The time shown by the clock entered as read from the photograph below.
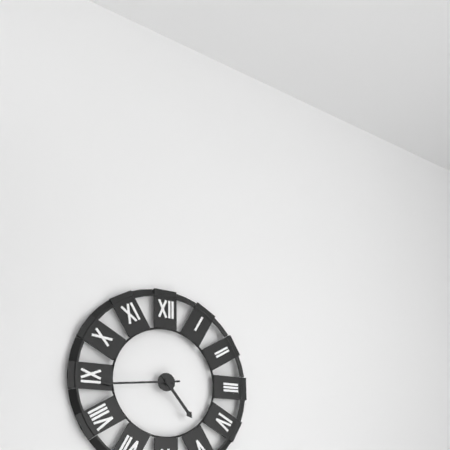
4:44
